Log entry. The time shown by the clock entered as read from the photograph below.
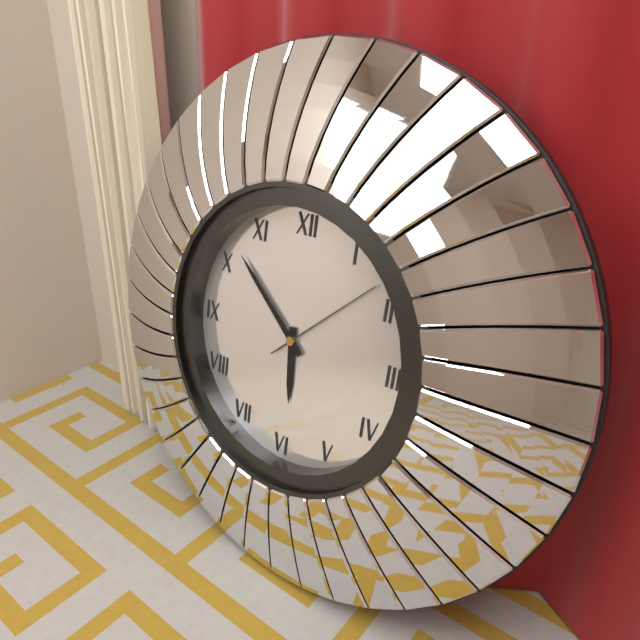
5:52:08
